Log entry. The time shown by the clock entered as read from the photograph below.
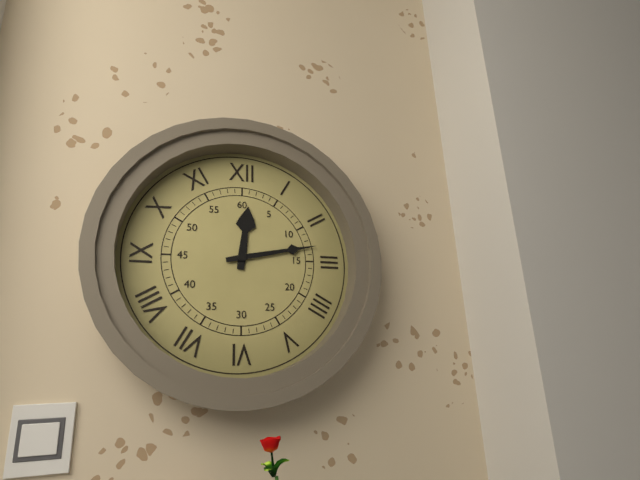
12:13
